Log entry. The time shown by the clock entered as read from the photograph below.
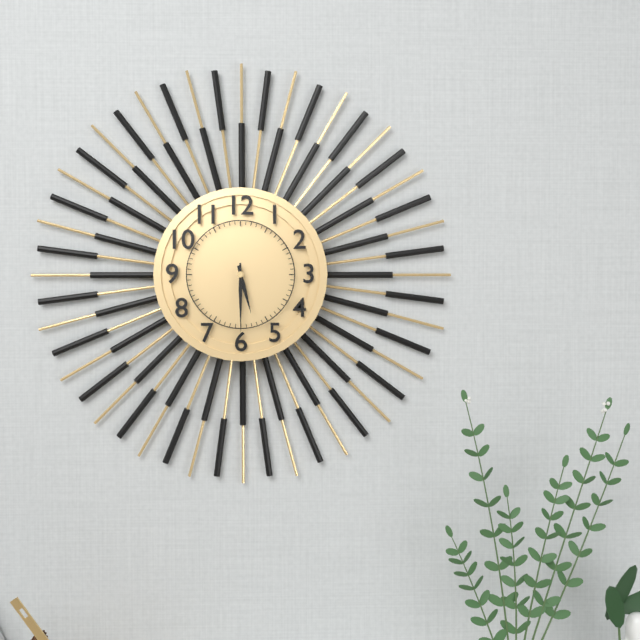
5:30
